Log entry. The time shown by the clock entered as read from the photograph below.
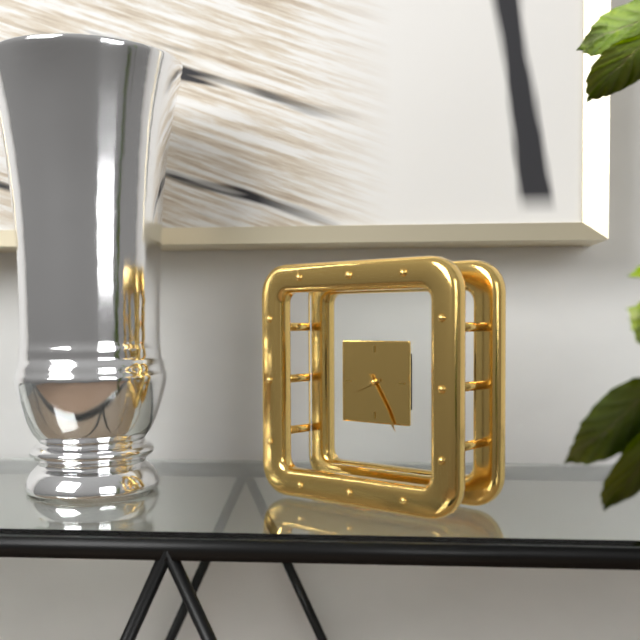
8:25
